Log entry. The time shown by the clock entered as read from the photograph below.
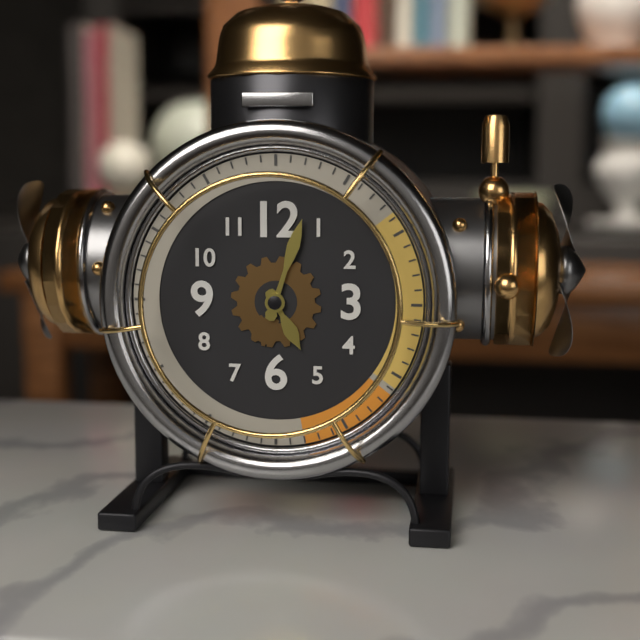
5:03
